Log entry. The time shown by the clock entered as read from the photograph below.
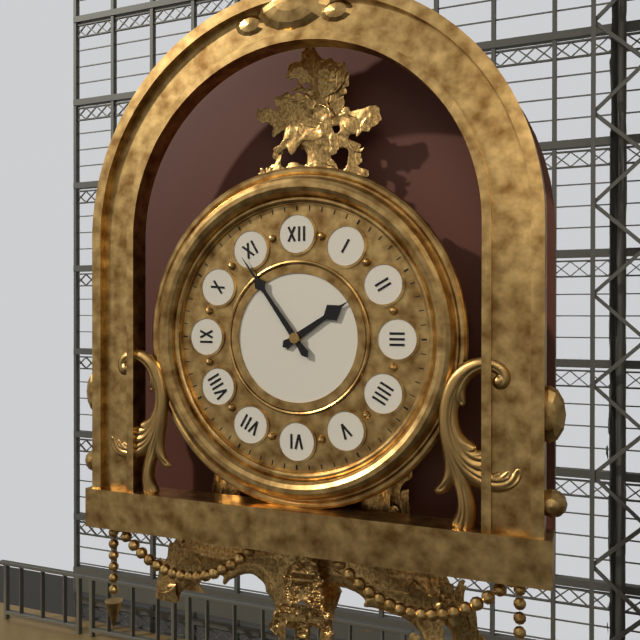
1:54
